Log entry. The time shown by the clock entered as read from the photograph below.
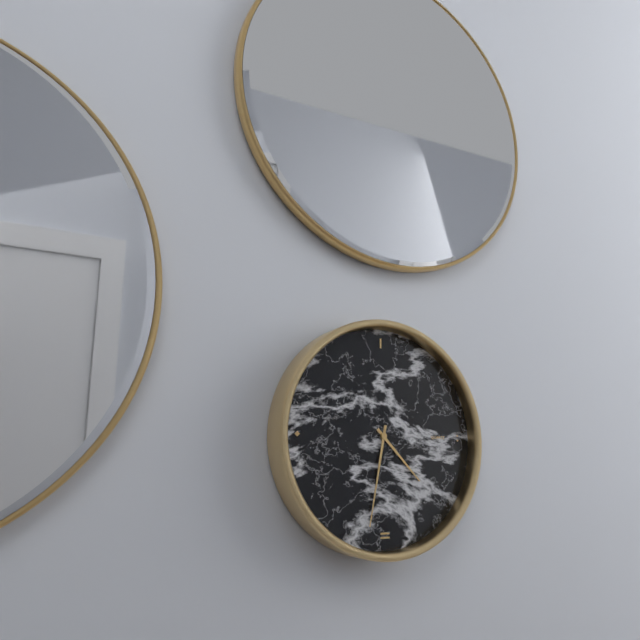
4:32
